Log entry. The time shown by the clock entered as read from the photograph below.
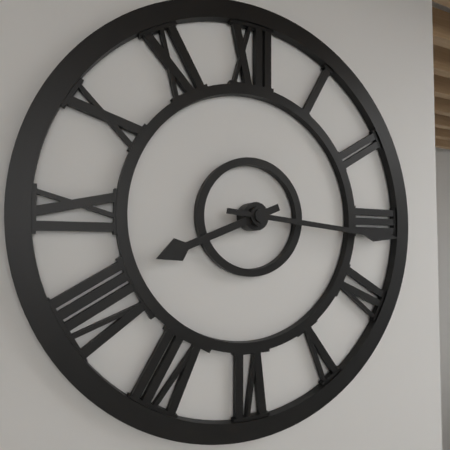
8:16
